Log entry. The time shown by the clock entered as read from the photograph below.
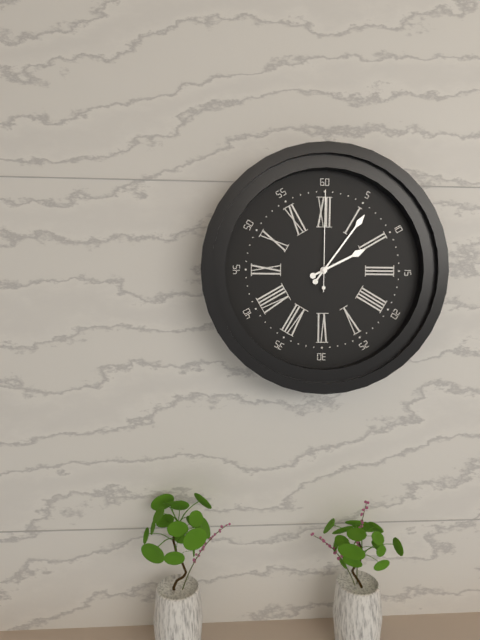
2:06:00
